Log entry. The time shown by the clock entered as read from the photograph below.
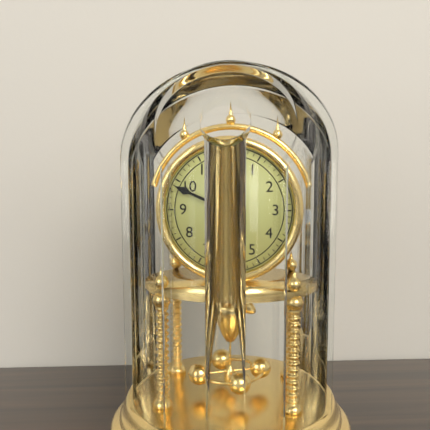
5:49
